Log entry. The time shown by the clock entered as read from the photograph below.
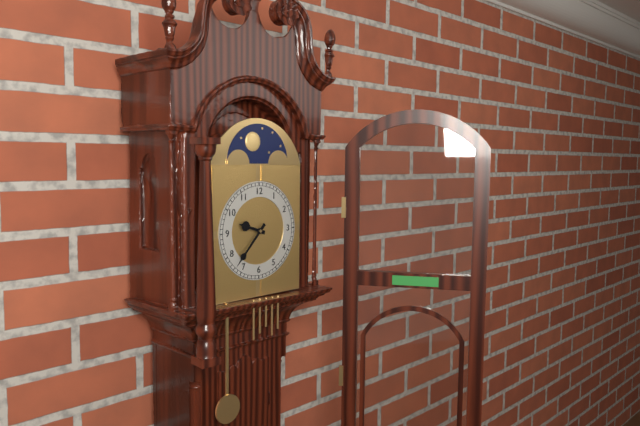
9:37
